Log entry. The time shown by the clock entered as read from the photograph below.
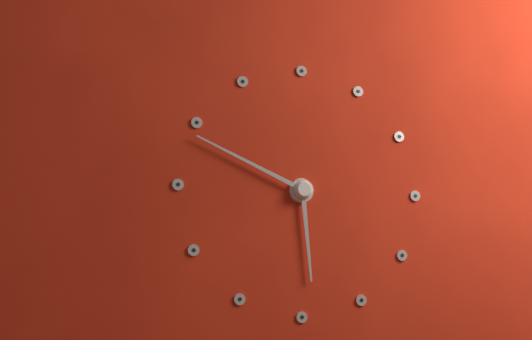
5:49
